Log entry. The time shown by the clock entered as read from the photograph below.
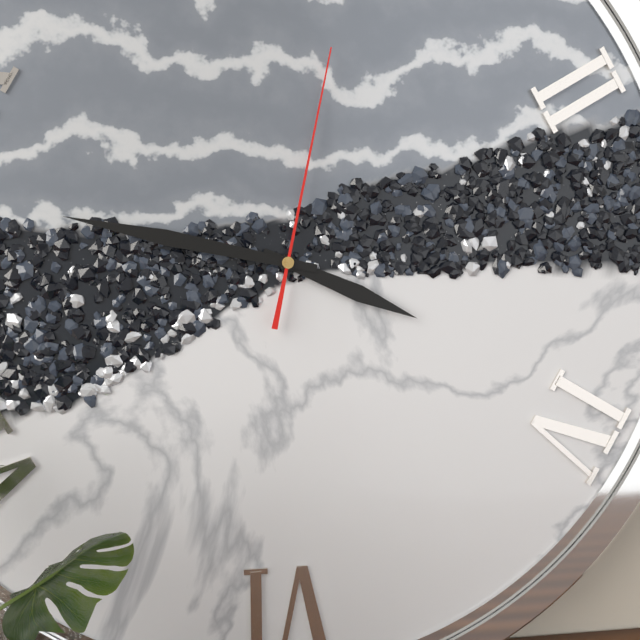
3:47:02
